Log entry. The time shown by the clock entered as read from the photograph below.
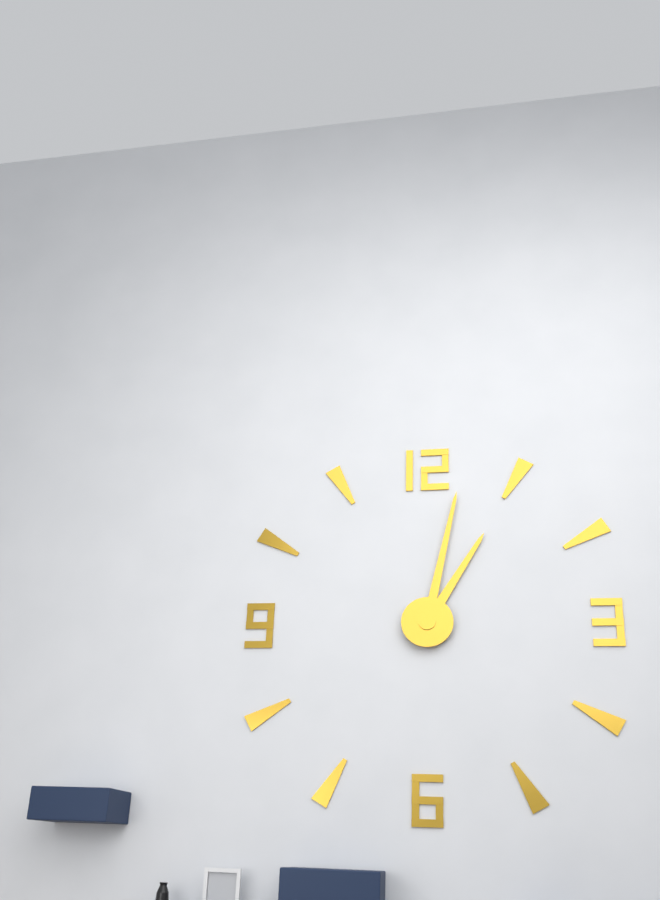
1:02
